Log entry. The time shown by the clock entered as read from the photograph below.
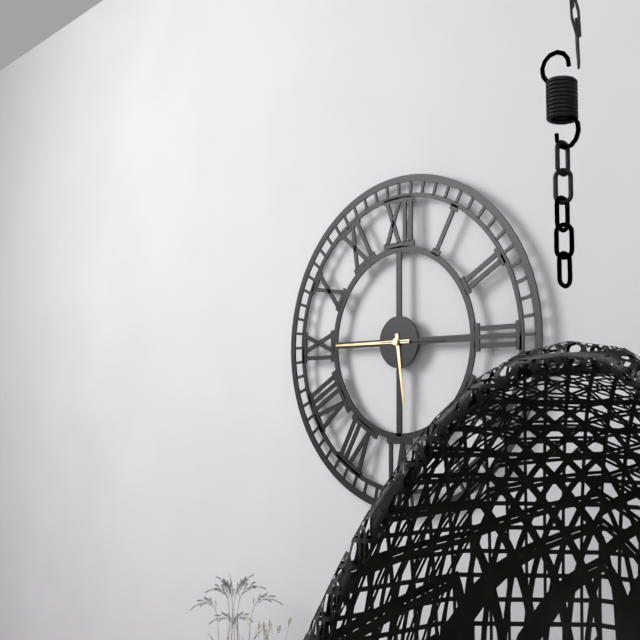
5:45:15
